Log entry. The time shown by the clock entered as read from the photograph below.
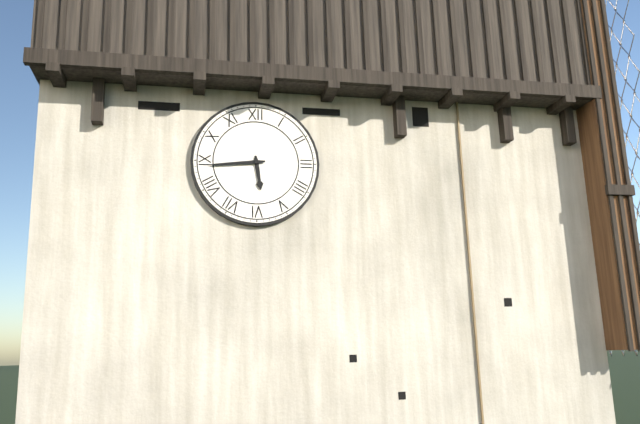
5:44
